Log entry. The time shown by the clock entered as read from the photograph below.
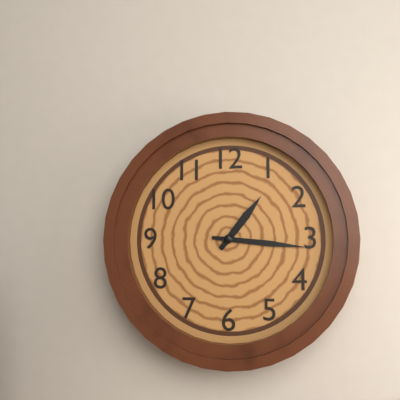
1:16
